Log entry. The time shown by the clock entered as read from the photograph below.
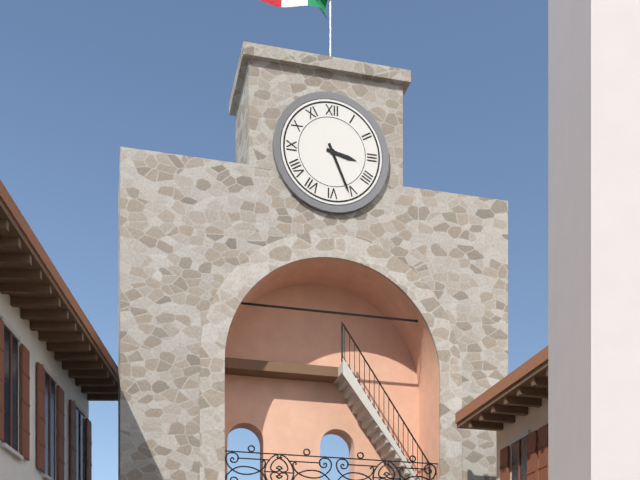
3:26
